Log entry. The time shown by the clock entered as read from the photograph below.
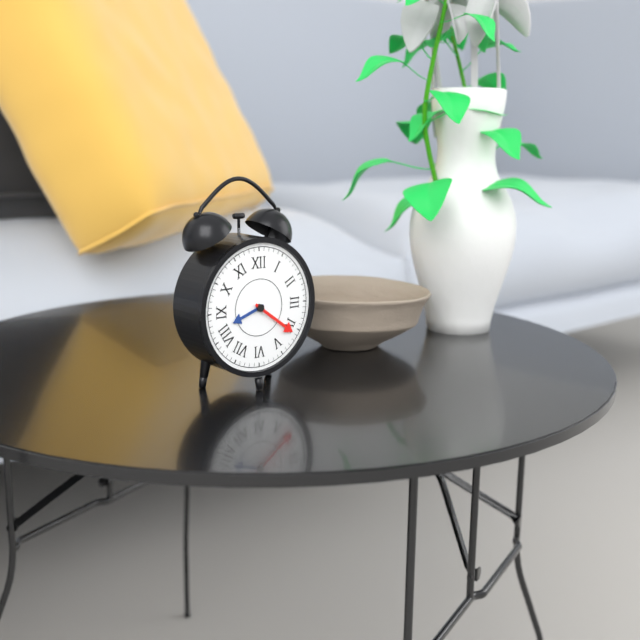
8:21
